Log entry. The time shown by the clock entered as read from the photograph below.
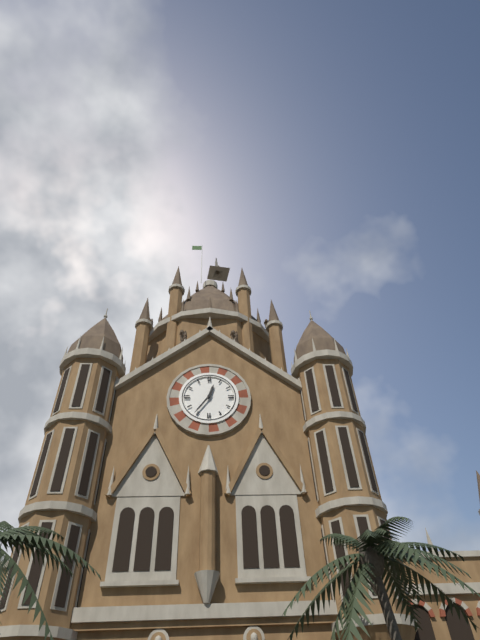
12:36
